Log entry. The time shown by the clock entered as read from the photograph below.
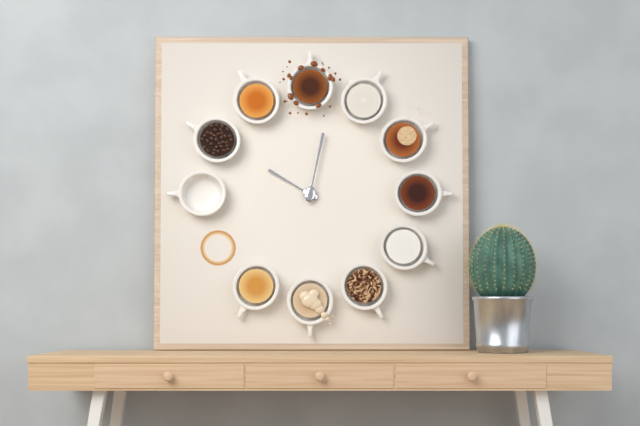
10:02
